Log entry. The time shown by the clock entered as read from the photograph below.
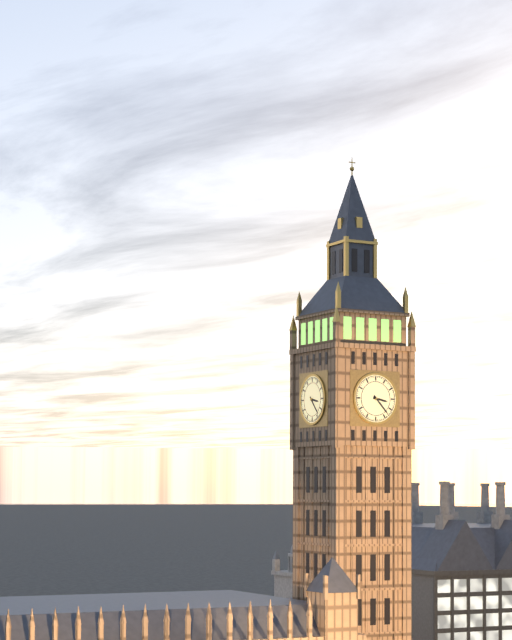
3:23
